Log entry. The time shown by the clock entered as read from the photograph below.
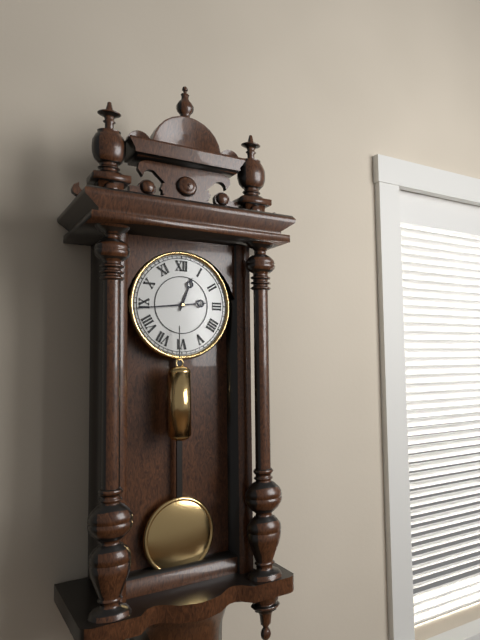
12:44
